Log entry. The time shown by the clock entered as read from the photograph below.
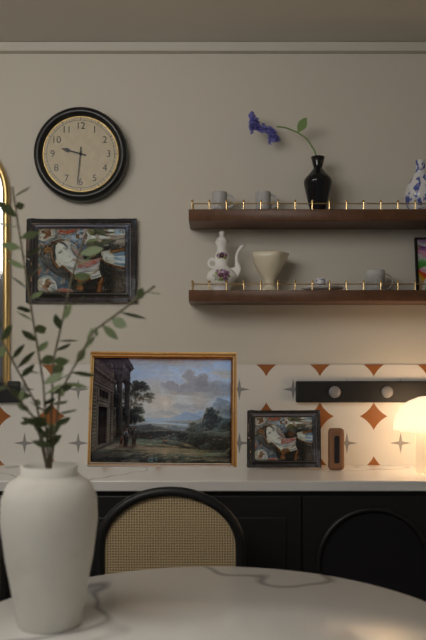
9:31
